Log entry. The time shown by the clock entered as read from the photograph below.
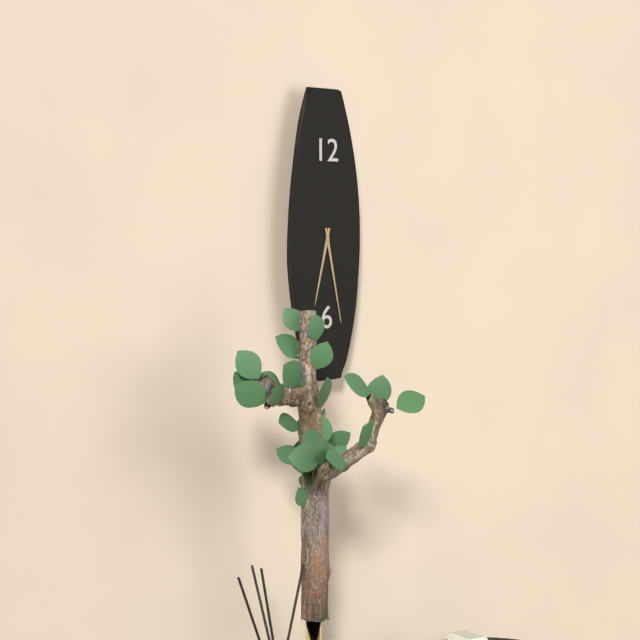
6:28
